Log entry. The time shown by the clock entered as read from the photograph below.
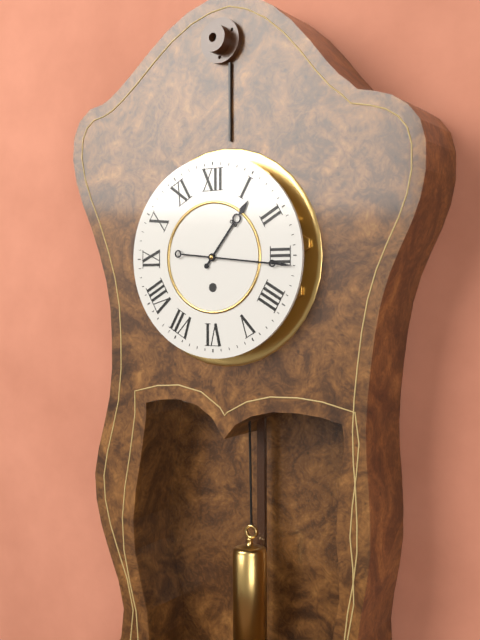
1:16
